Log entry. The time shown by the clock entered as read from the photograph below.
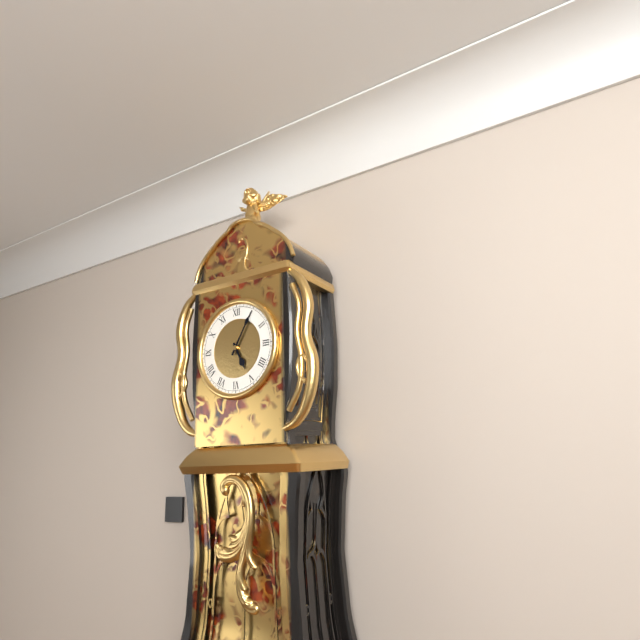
5:05
